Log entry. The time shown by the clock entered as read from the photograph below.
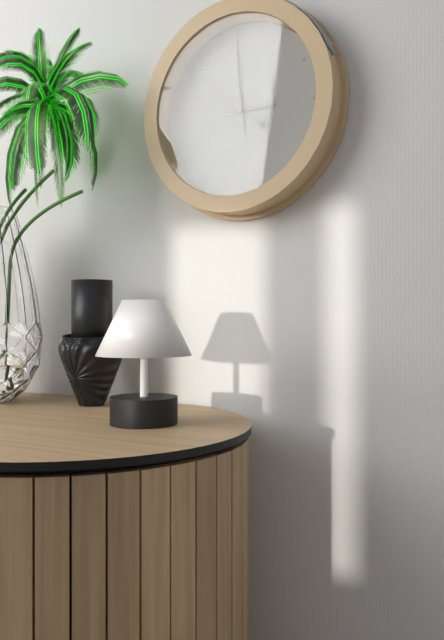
2:59:51
